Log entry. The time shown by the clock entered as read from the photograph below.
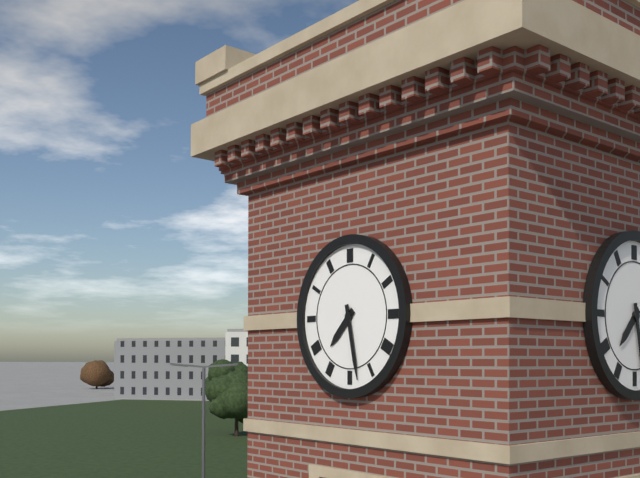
7:28
